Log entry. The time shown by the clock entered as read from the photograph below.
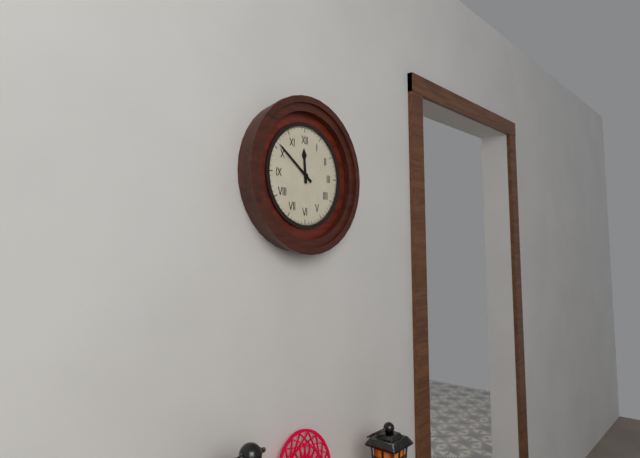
11:51
